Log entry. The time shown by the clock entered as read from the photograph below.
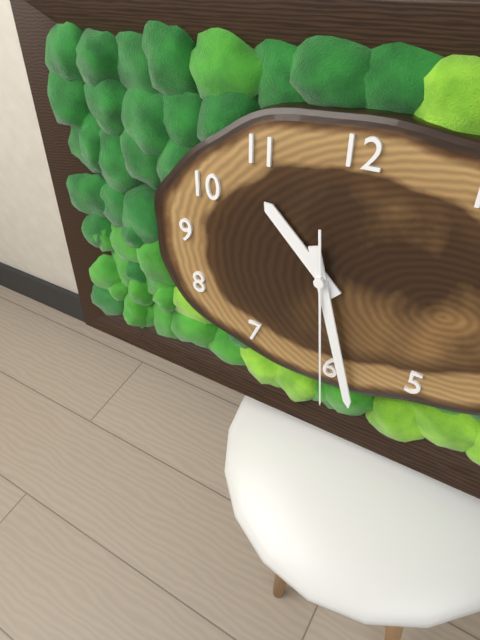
10:27:29
